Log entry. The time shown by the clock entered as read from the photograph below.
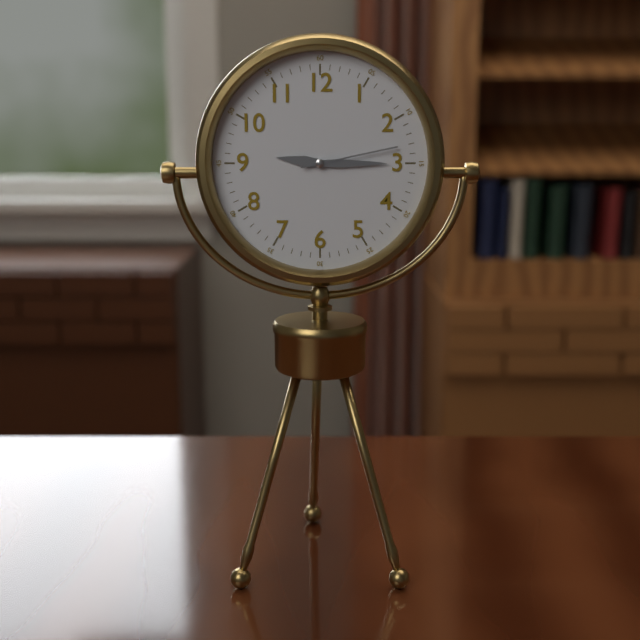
9:15:13
